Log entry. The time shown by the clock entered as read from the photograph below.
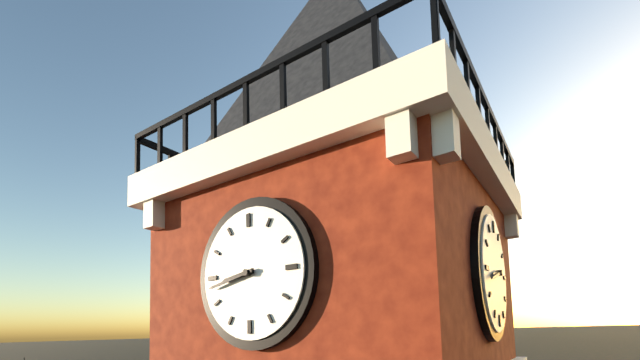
8:43
